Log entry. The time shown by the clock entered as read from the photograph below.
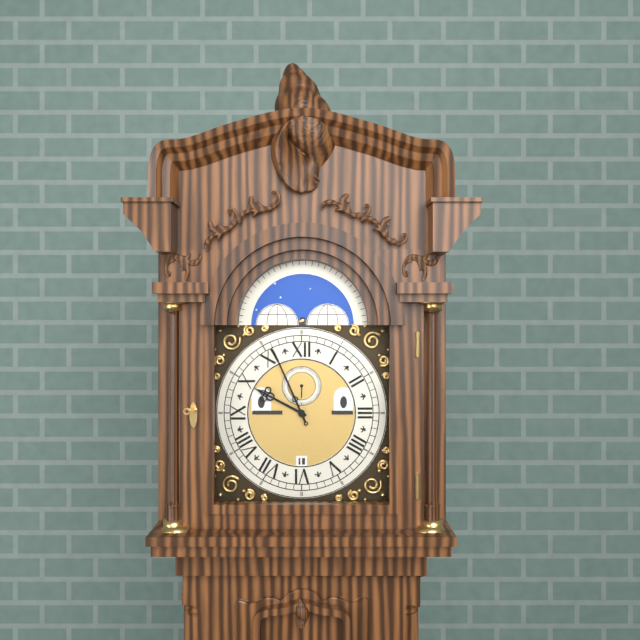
9:56
